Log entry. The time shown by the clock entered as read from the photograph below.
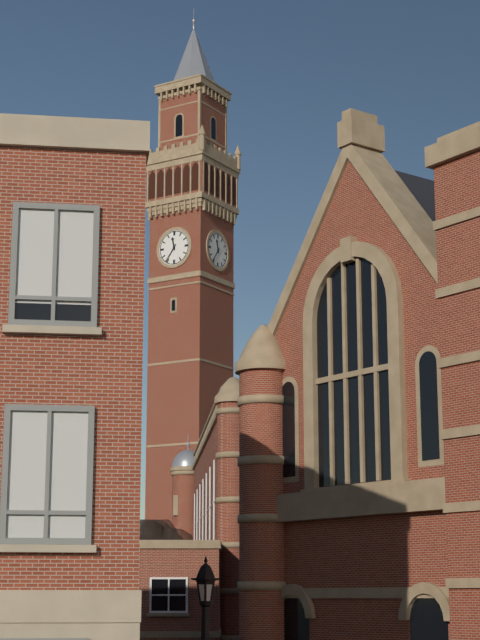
11:36
